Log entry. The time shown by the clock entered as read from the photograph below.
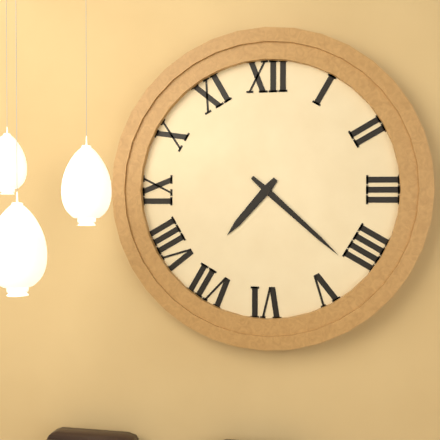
7:22
